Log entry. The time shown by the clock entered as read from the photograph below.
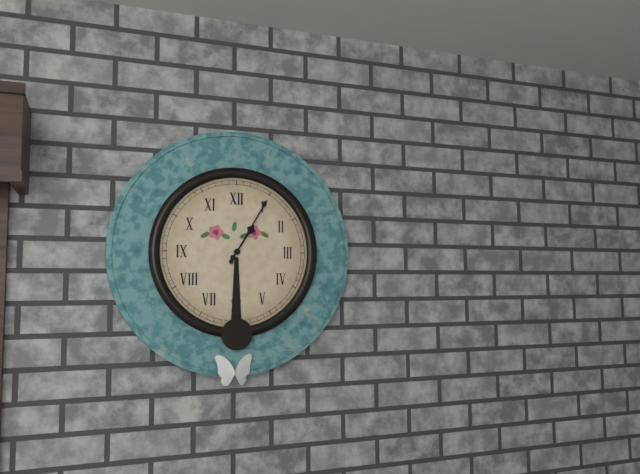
1:05
